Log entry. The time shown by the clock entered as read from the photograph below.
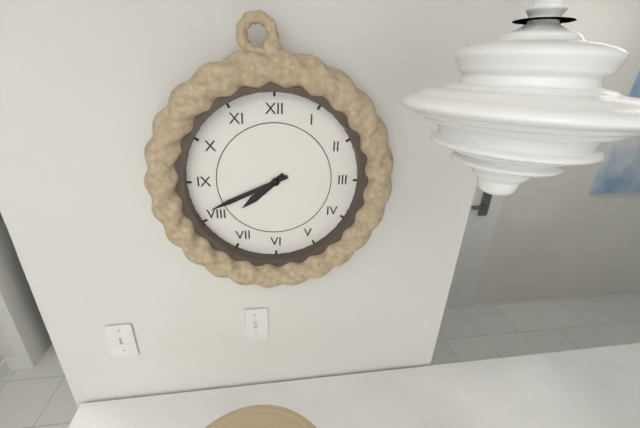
7:41
